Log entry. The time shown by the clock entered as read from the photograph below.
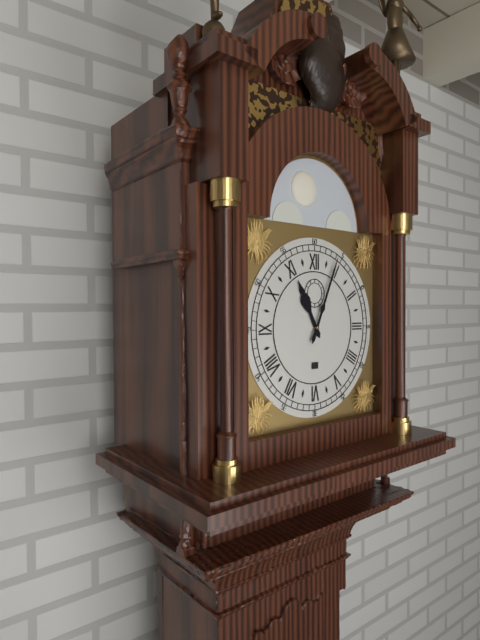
11:04
